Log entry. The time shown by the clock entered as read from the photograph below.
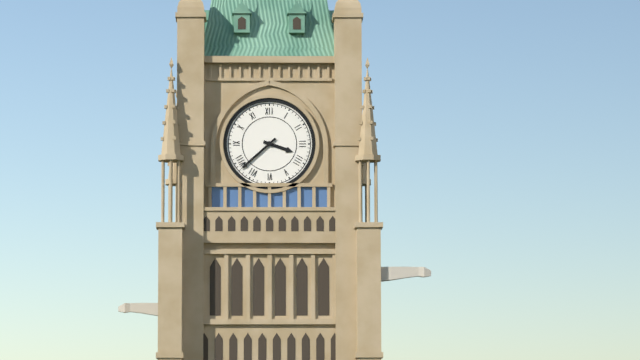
3:38
